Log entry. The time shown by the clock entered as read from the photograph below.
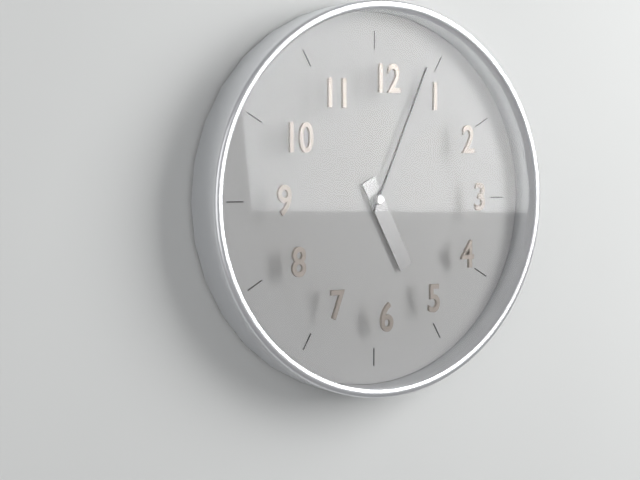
5:04
